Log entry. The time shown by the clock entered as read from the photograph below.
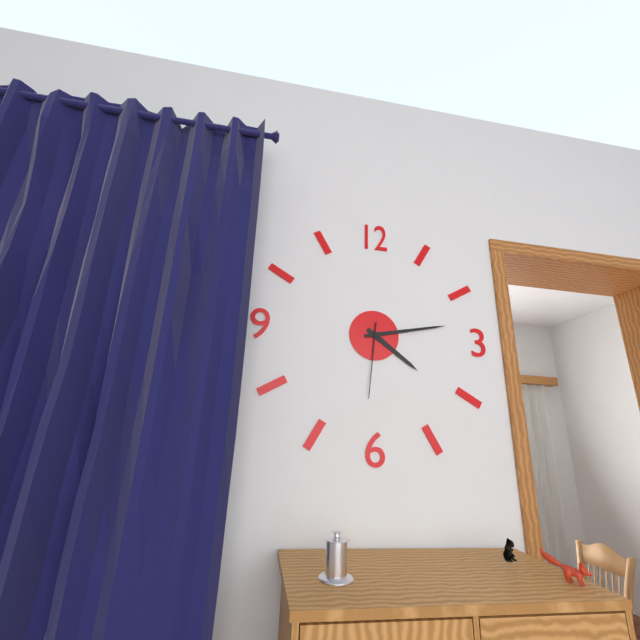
4:13:31
